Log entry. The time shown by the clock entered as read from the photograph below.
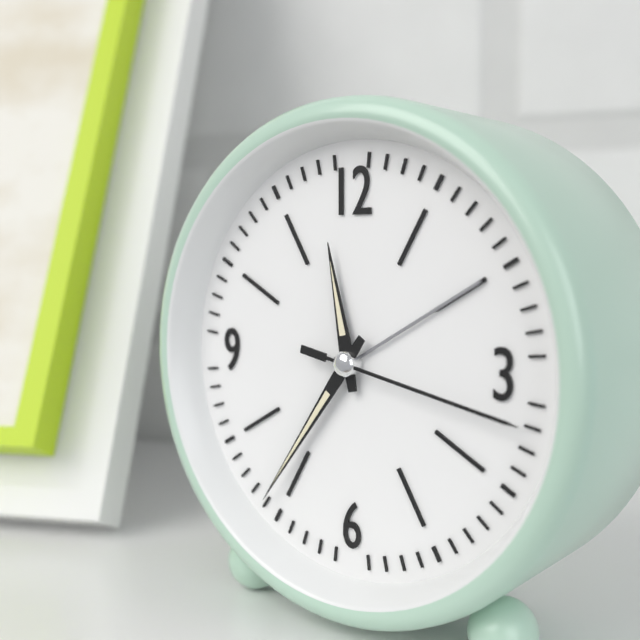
11:36:17
